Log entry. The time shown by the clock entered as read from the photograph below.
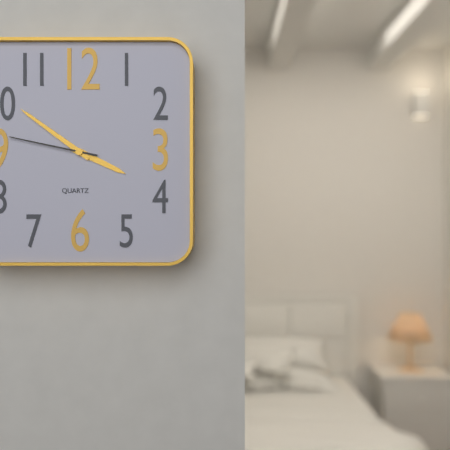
3:51:47
